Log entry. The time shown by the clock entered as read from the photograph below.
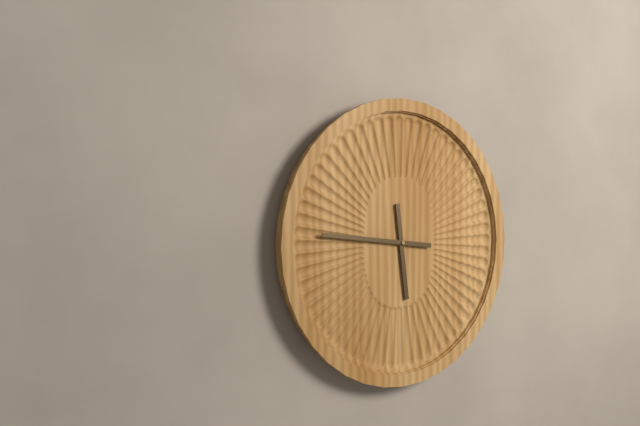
5:46
